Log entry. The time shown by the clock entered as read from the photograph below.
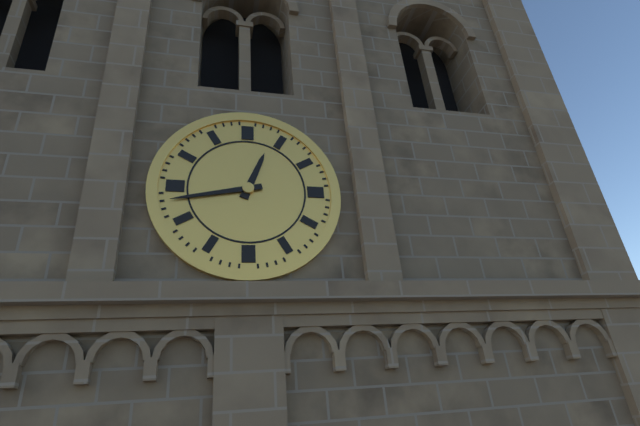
12:43
